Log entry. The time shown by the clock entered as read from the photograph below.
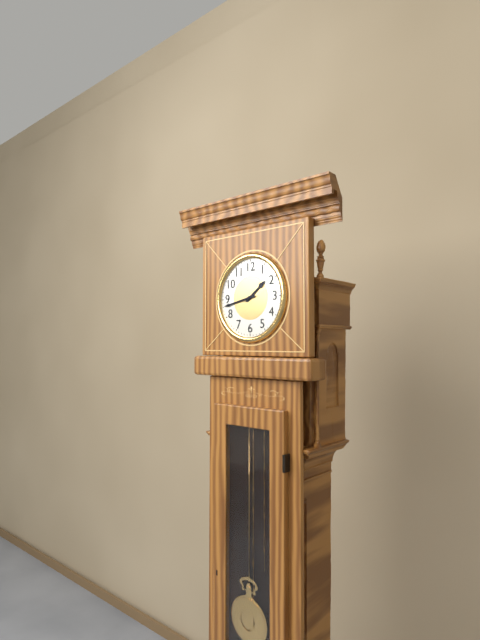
1:43
